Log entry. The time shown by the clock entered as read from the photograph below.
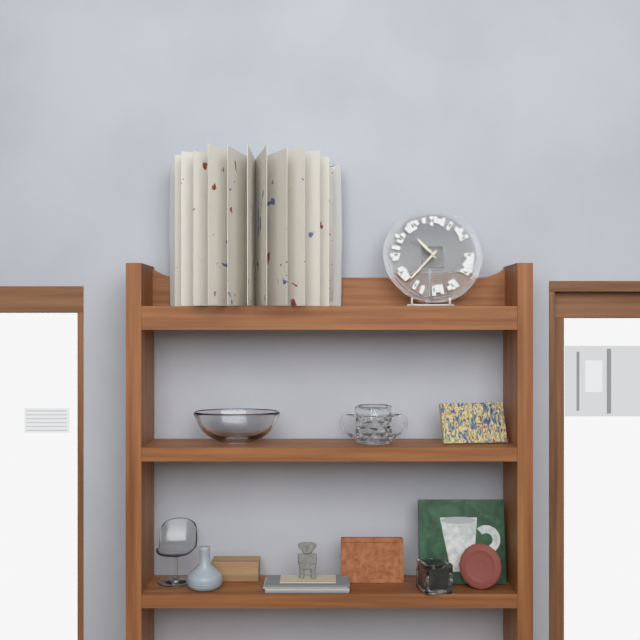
10:37
